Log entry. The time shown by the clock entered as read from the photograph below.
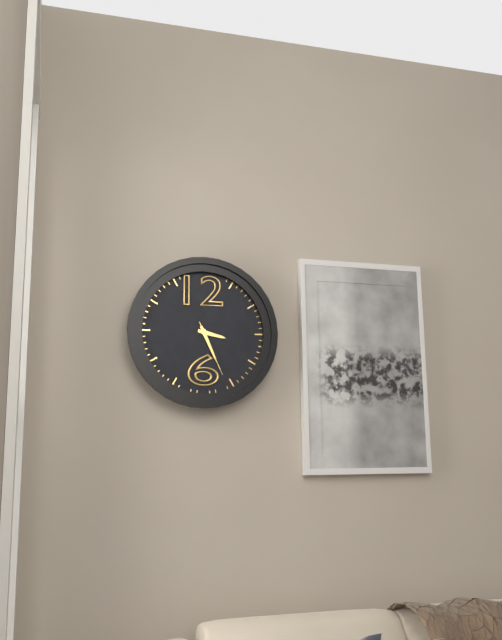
3:26:26
